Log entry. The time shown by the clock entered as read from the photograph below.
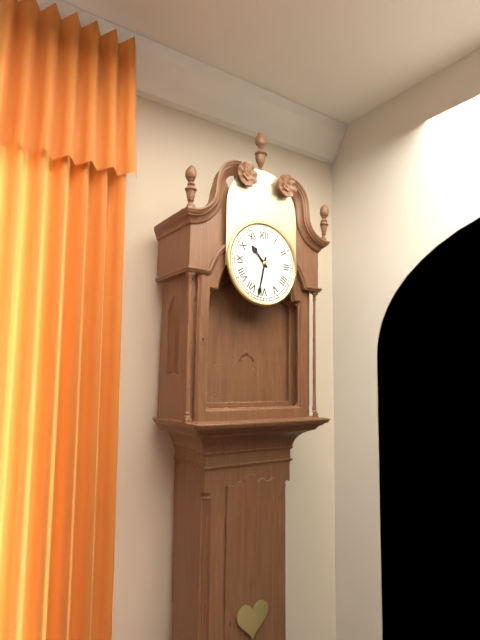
10:32
